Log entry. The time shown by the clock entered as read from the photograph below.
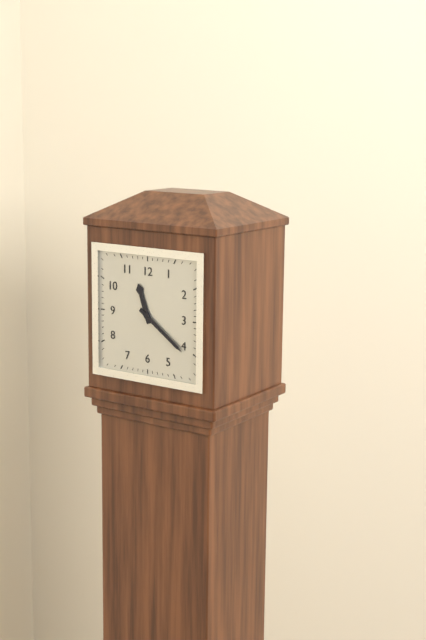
11:21
